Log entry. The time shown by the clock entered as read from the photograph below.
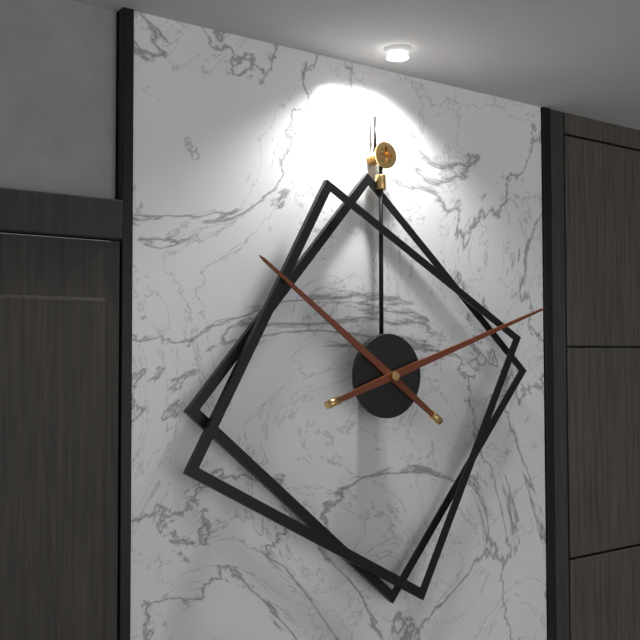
10:12
